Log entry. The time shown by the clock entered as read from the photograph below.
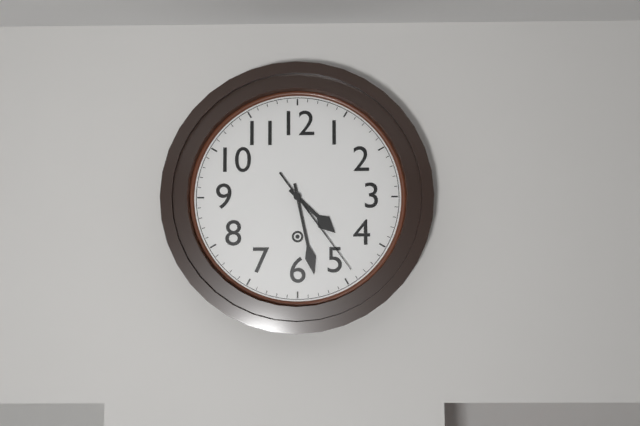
4:28:24
